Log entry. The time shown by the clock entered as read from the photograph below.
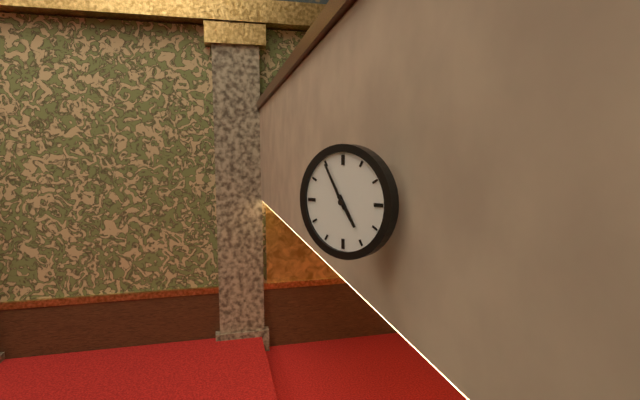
4:55
